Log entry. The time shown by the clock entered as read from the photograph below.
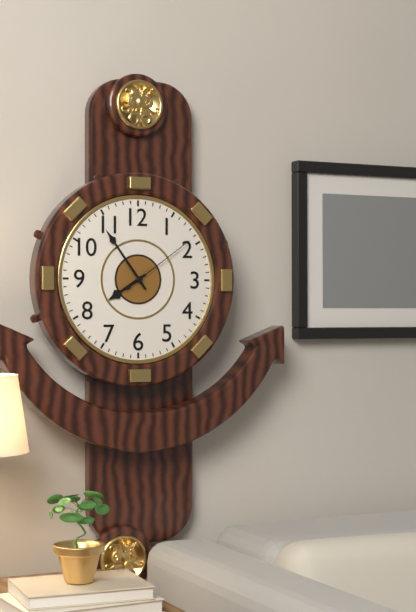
7:54:09
